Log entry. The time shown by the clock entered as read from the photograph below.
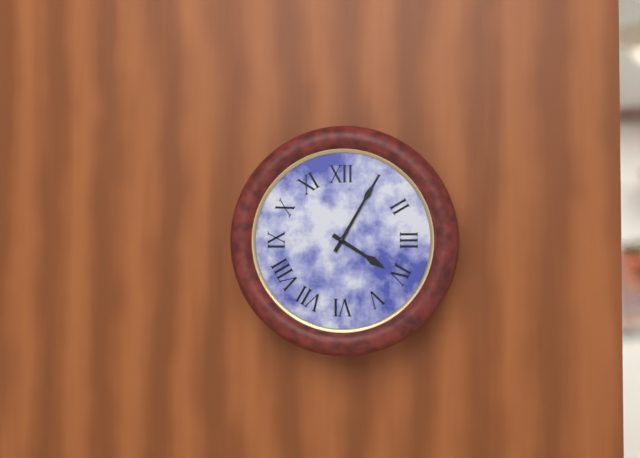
4:05
